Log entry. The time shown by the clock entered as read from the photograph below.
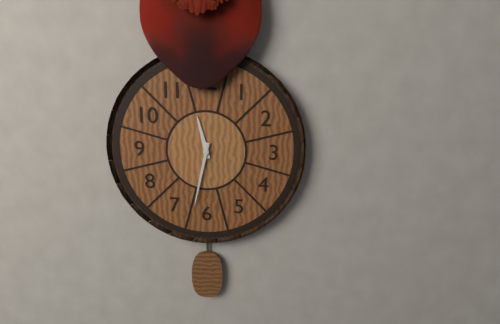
11:32
